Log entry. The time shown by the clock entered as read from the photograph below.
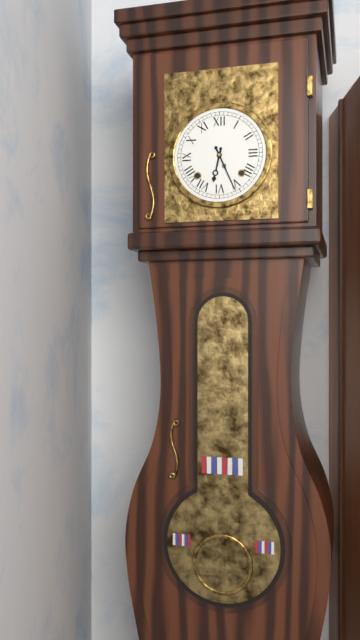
6:26
